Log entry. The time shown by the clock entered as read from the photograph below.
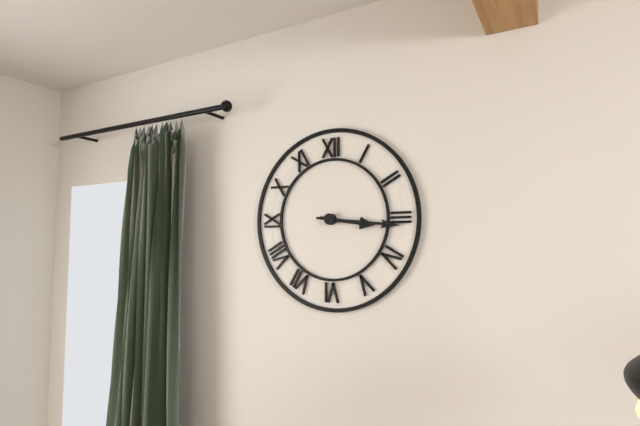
3:16
